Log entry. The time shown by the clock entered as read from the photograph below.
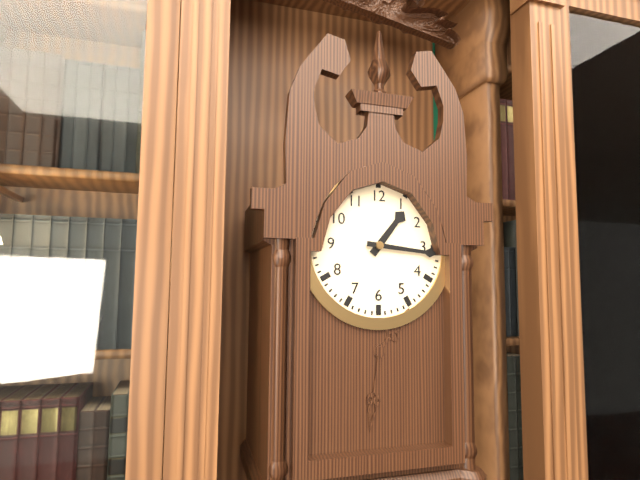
1:16
